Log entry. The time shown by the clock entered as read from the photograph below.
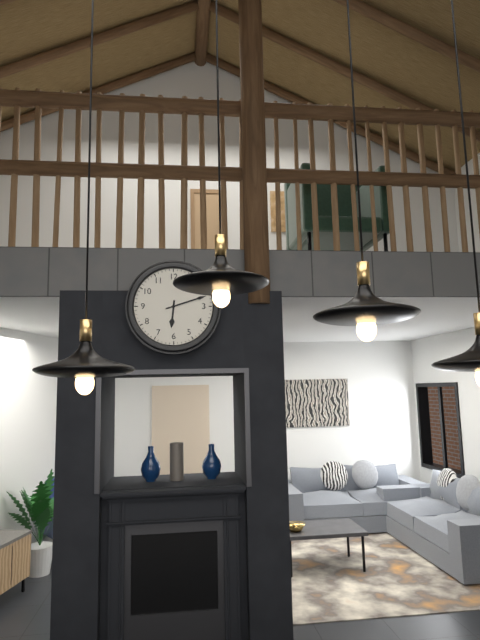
6:12
